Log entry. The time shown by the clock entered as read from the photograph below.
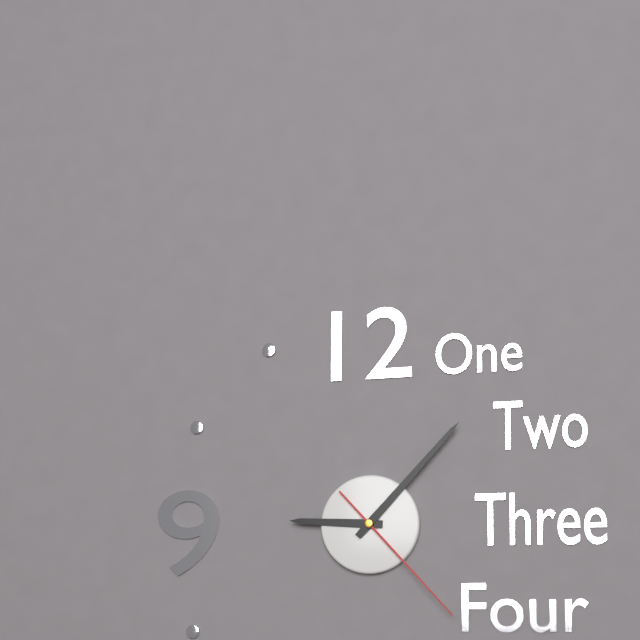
9:07:23
